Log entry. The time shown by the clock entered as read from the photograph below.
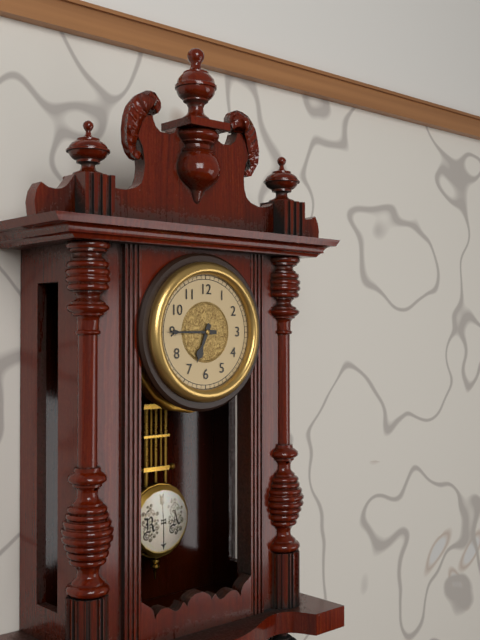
6:45
